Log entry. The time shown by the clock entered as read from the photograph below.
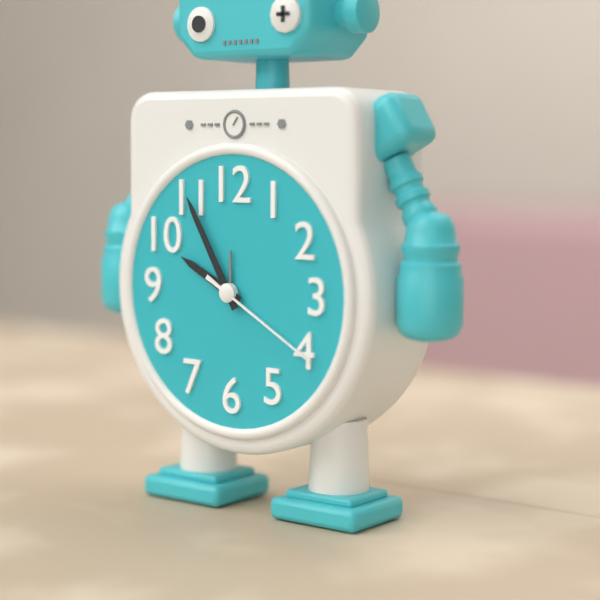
9:55:20
